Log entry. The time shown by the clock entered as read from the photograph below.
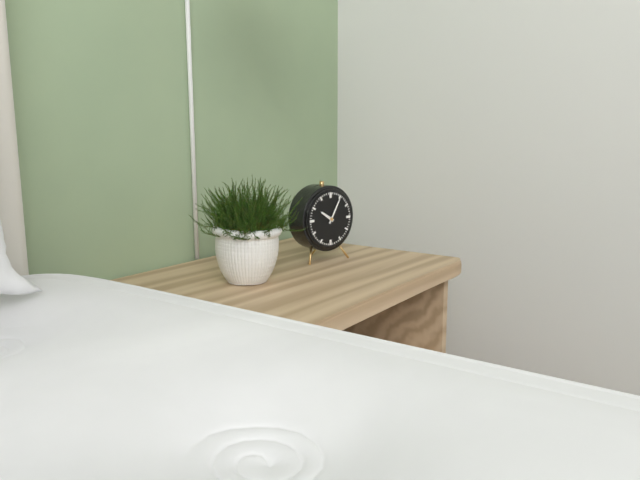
10:05
